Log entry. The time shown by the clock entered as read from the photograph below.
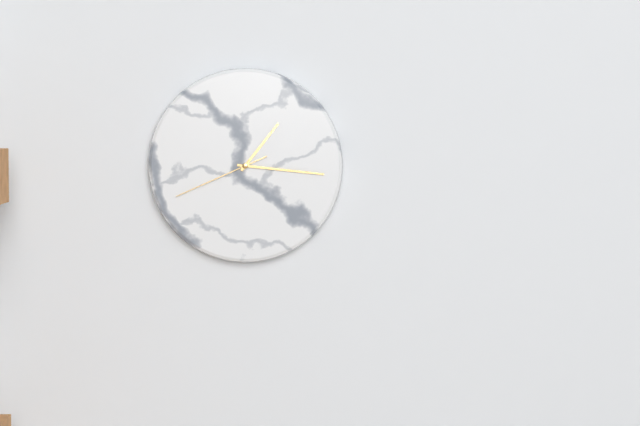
1:16:41
